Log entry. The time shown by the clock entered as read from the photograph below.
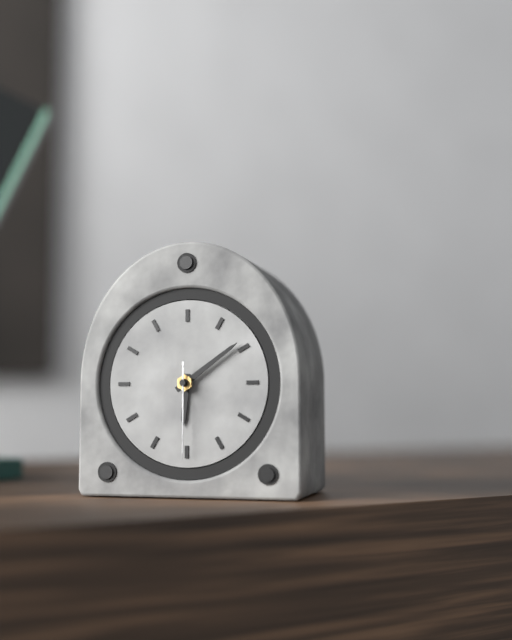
6:09:30
